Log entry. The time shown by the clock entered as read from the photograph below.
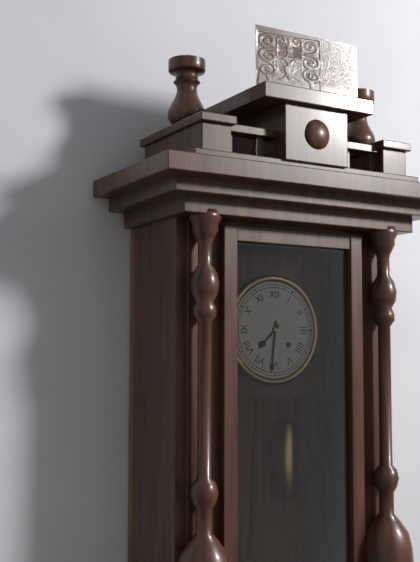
7:31
